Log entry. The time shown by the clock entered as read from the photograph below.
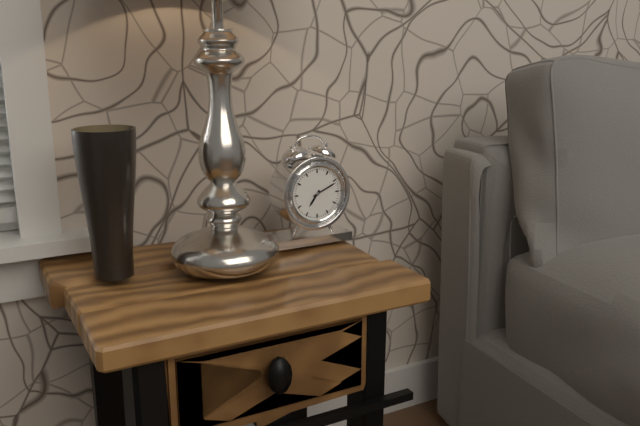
7:11
